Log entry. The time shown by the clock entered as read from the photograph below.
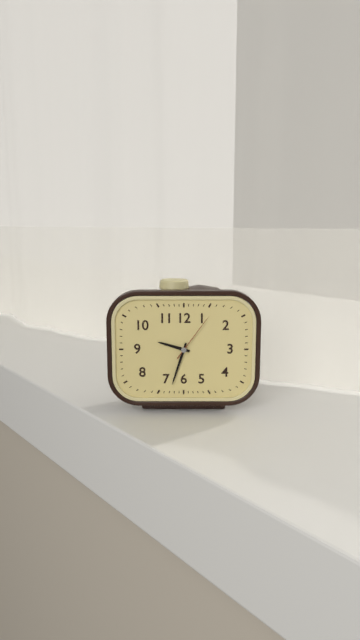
9:33:06
